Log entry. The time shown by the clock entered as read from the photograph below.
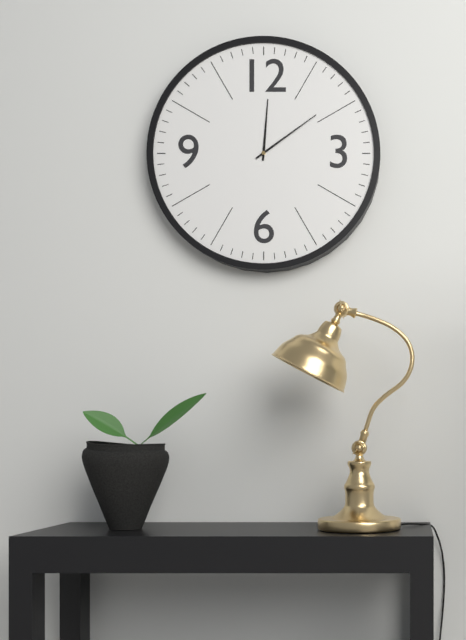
12:09
